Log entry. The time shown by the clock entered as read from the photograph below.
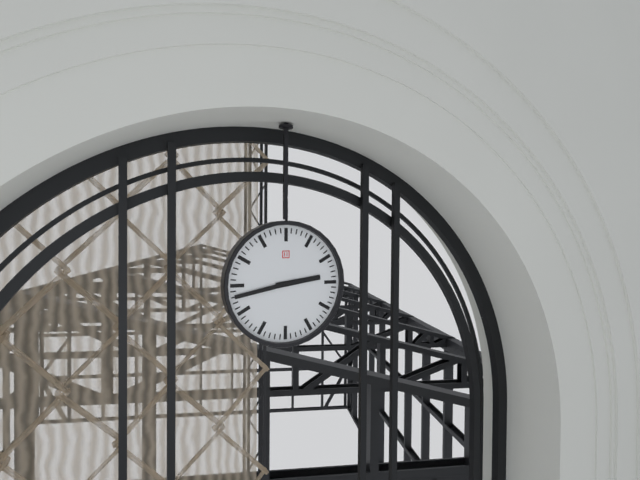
2:43
